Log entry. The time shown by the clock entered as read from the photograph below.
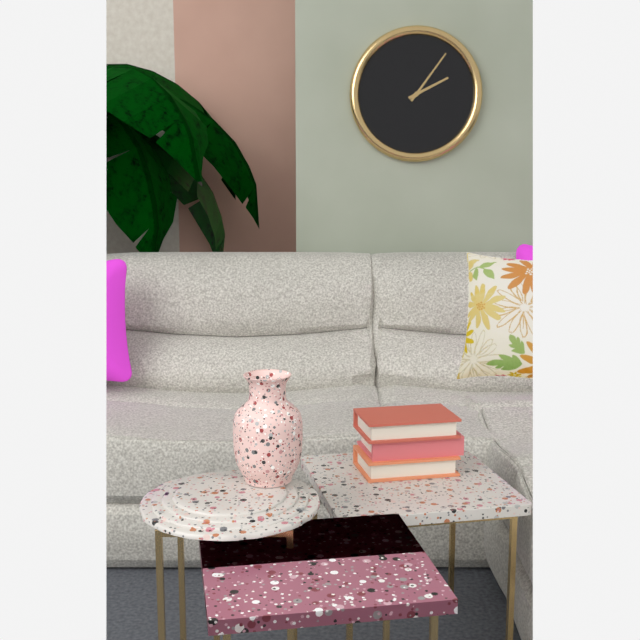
2:06
